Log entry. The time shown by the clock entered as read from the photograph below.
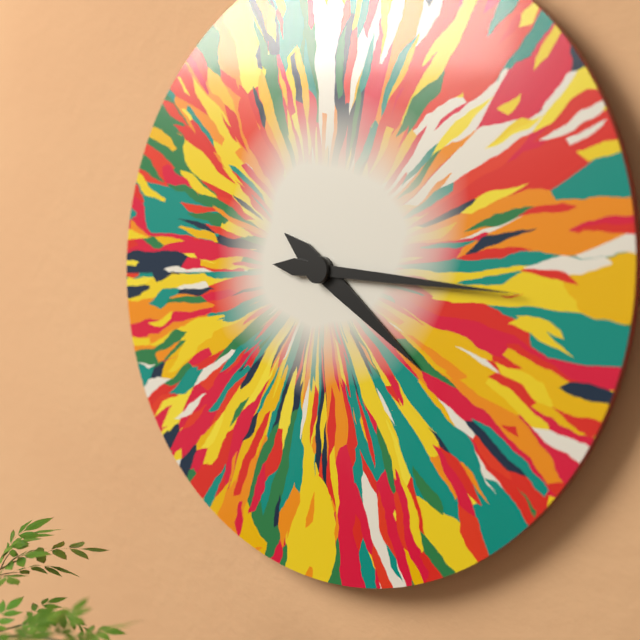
4:16
